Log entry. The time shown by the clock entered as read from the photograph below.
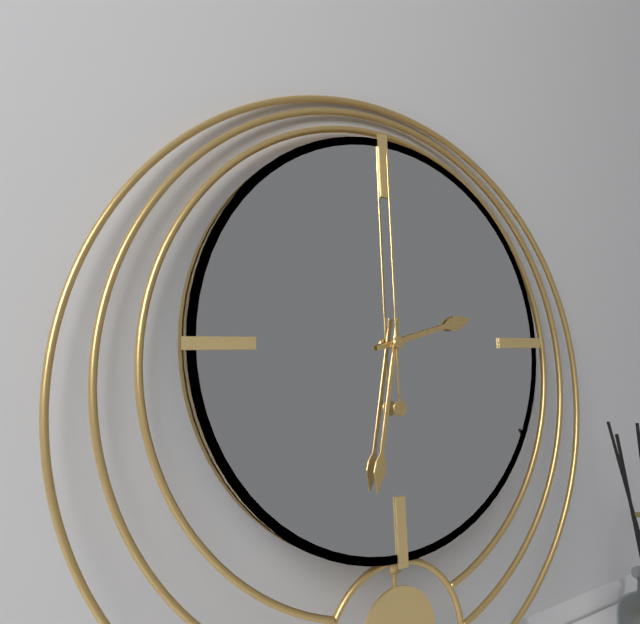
2:32:00
